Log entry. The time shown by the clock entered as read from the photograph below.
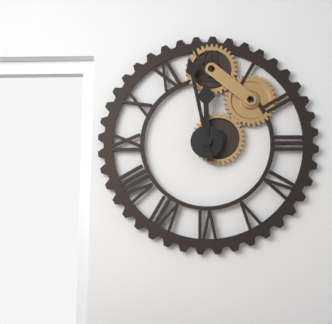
11:58
